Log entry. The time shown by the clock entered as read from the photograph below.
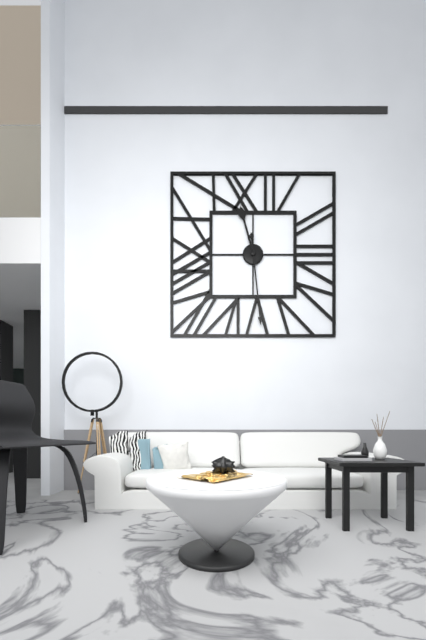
11:29
